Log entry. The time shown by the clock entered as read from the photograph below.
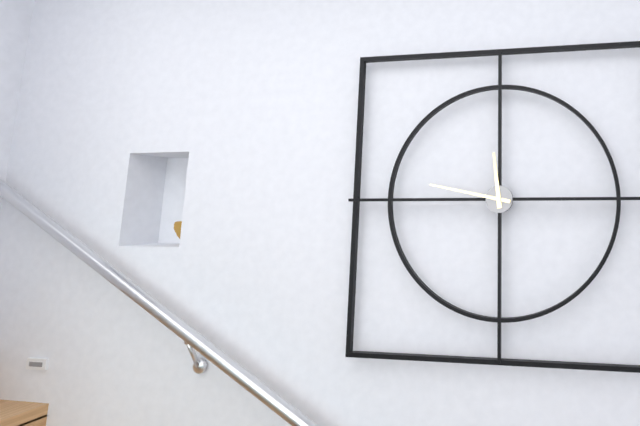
11:47
